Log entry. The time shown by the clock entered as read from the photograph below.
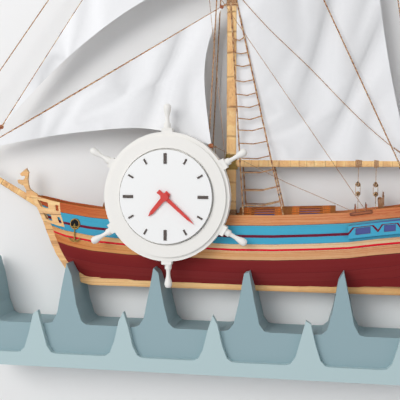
7:22
